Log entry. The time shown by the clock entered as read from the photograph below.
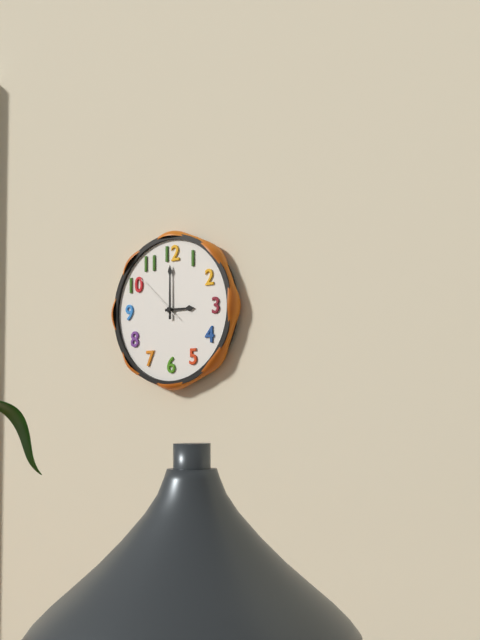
3:00:52
